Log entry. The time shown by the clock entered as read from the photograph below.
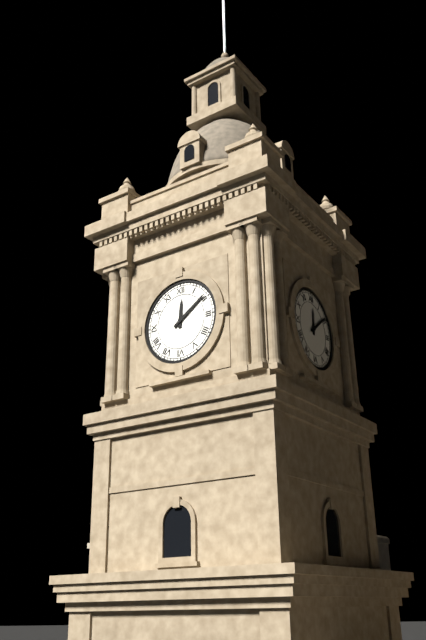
12:09
